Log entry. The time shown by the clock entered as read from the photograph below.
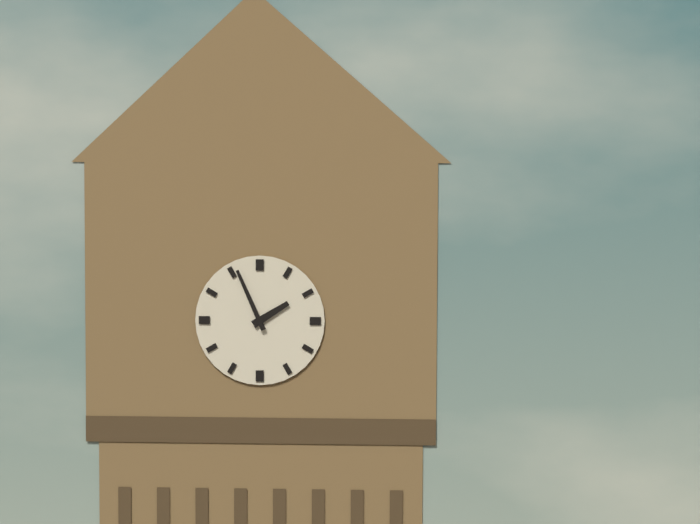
1:56
